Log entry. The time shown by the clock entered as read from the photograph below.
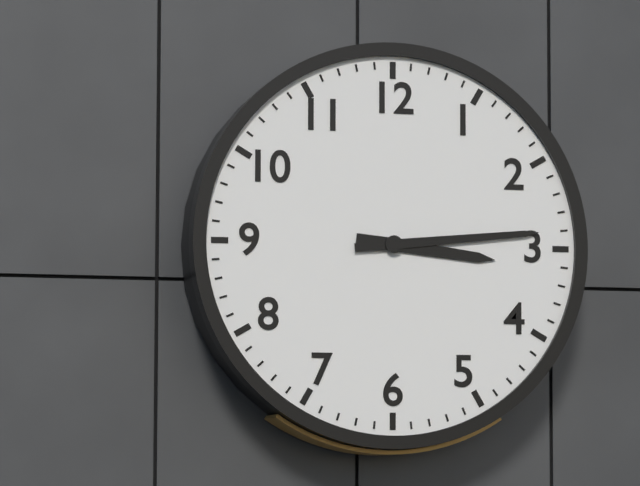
3:14
